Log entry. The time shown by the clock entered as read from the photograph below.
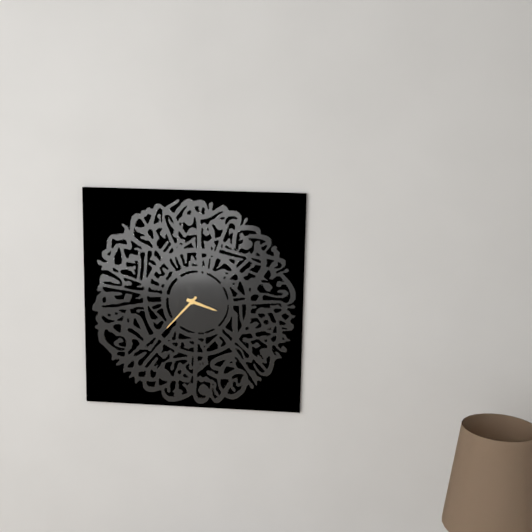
3:37
